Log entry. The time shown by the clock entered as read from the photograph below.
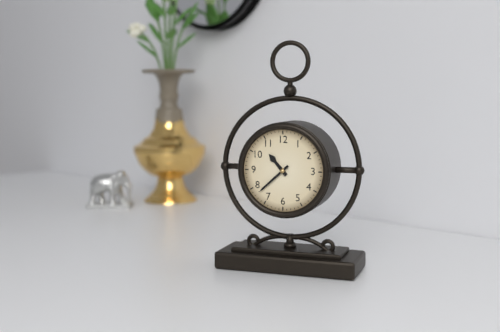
10:38
